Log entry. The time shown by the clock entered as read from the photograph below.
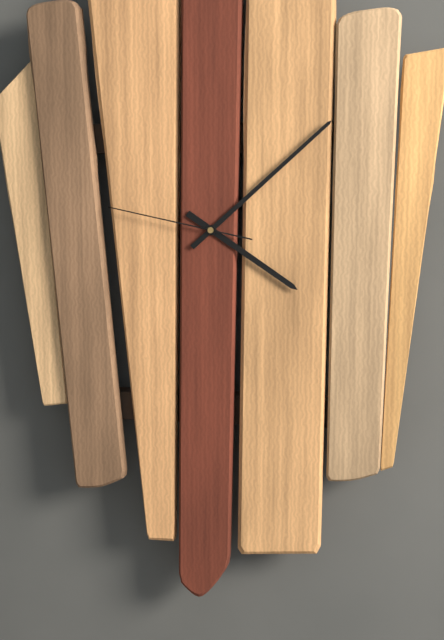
4:08:47
